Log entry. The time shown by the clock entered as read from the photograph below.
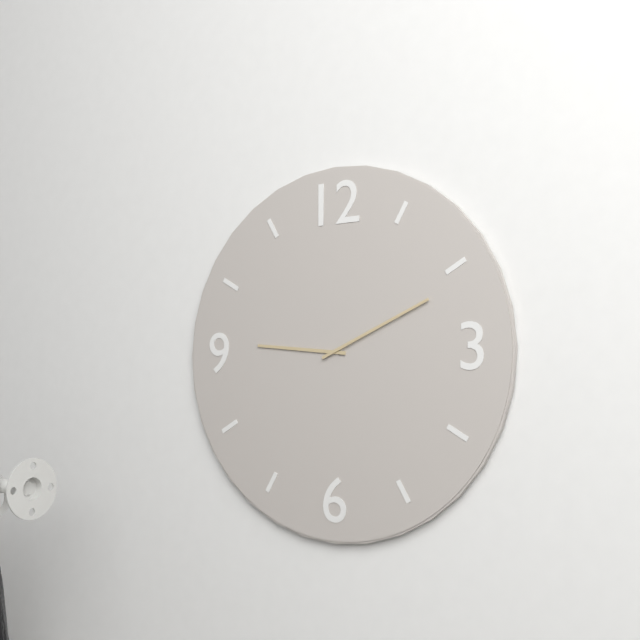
9:11
